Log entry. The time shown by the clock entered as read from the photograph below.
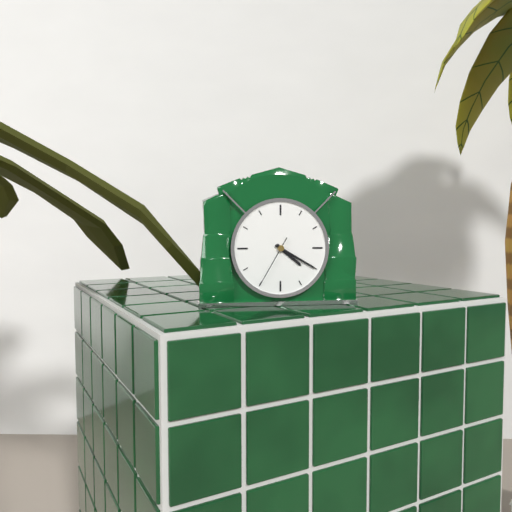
4:20:35
